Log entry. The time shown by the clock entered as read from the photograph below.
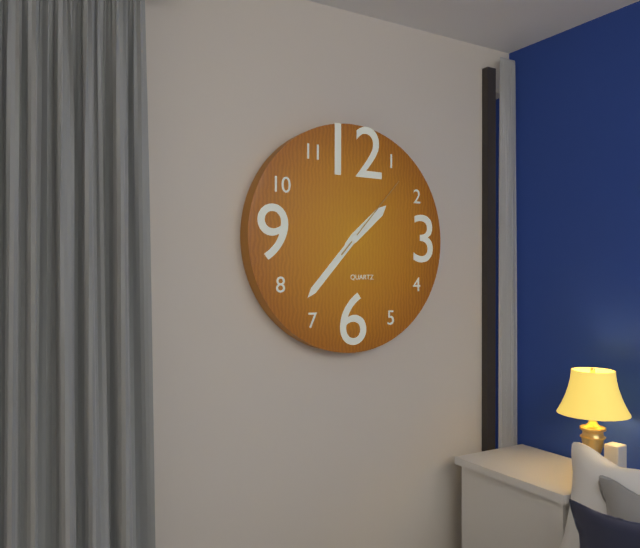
1:37:07
